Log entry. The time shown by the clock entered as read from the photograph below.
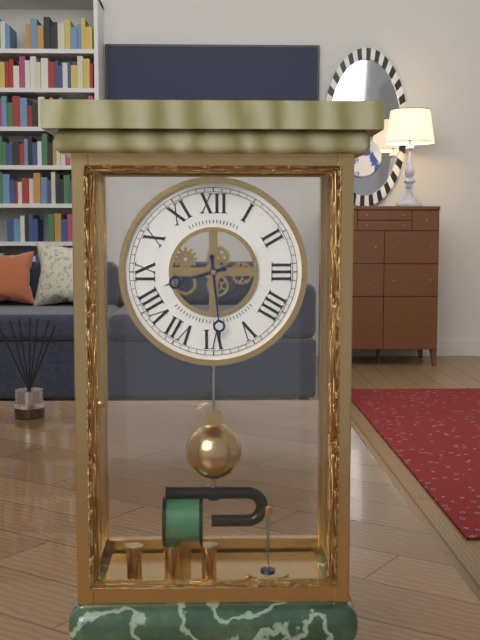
8:29
